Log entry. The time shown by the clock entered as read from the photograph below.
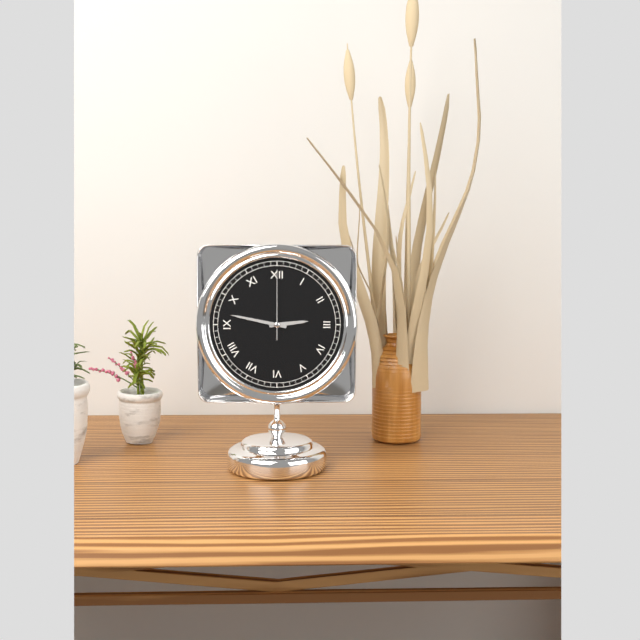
2:47:00
